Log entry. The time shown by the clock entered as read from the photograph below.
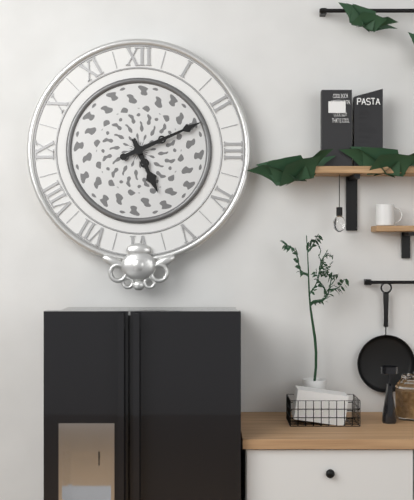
5:11
